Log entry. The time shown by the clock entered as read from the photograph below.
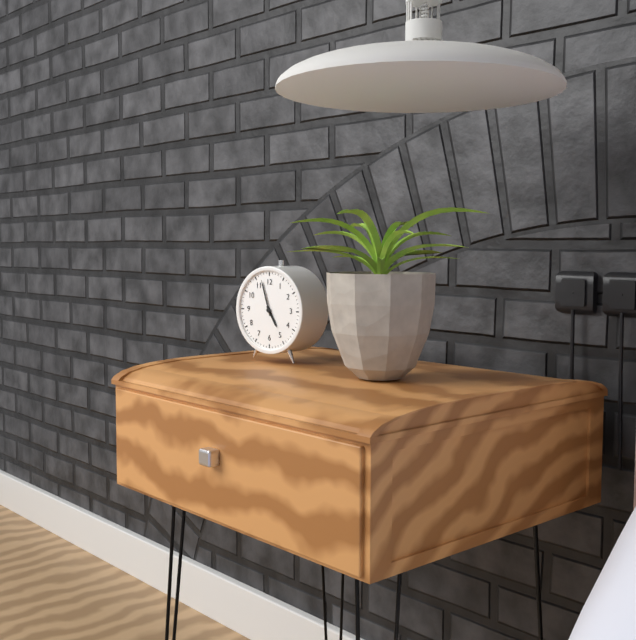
4:57
